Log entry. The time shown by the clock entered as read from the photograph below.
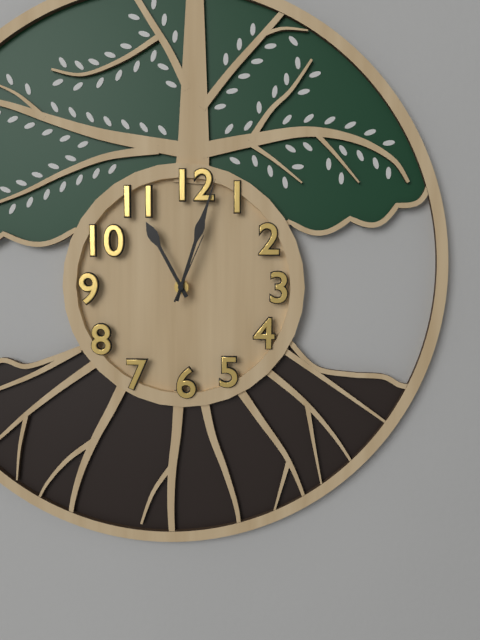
11:03:04
